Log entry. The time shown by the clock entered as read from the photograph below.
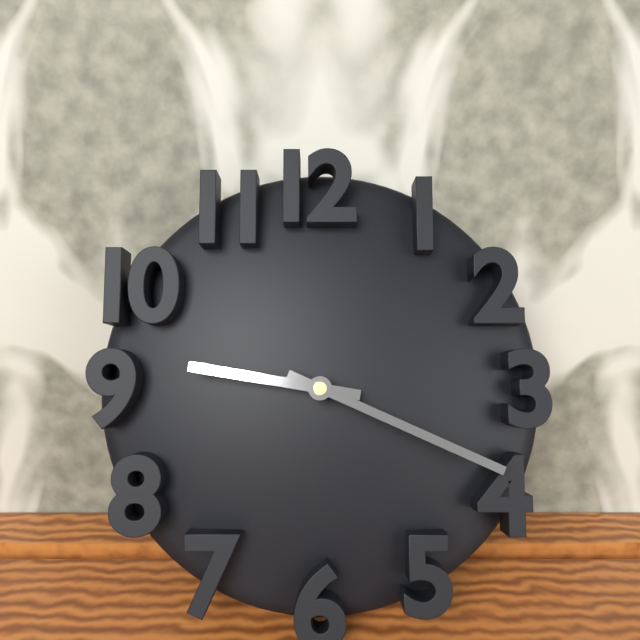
9:19
